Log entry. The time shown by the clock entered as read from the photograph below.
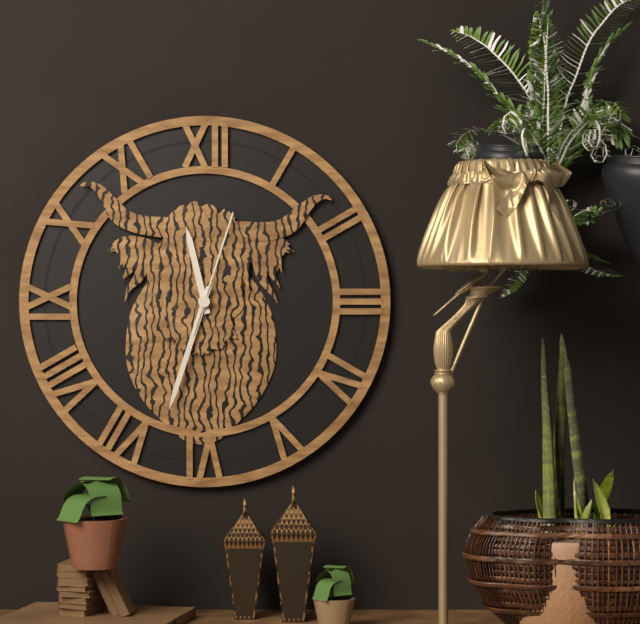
11:33:03
